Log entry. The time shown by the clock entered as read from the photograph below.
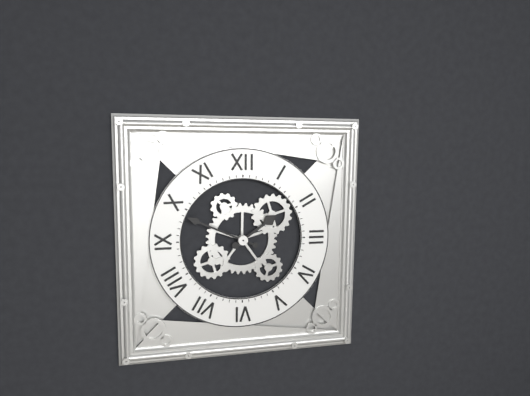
1:49
